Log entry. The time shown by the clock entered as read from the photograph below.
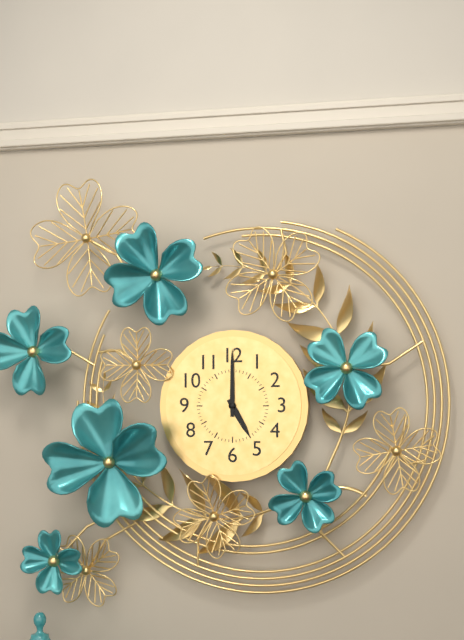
5:00
